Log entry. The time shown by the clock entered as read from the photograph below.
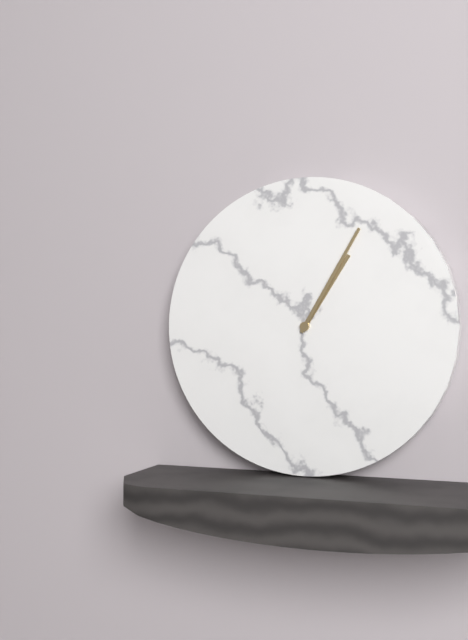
1:05
